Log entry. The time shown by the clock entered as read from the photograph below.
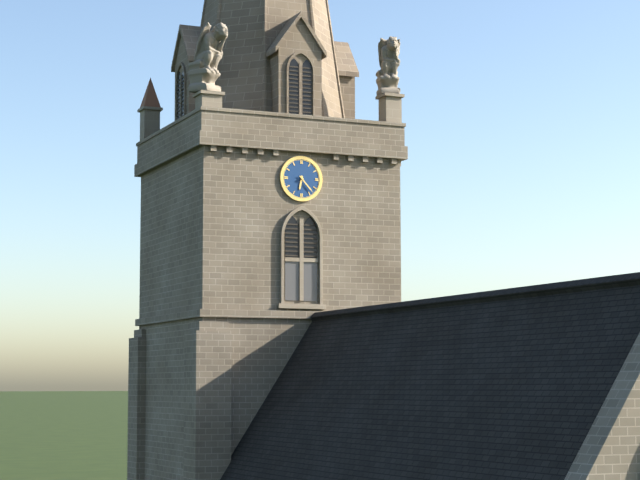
6:23
